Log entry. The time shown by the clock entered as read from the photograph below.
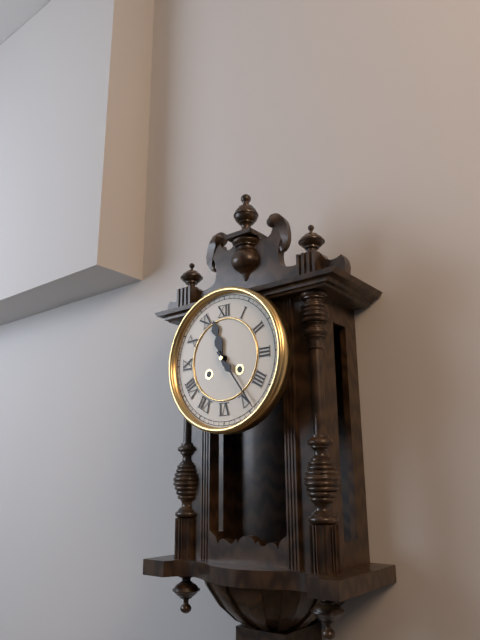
11:24
